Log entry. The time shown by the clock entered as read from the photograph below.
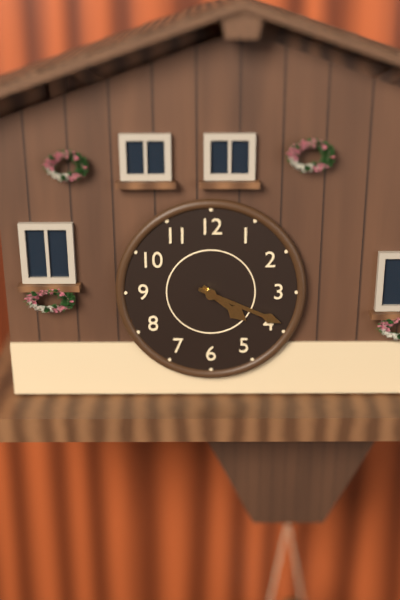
4:19
